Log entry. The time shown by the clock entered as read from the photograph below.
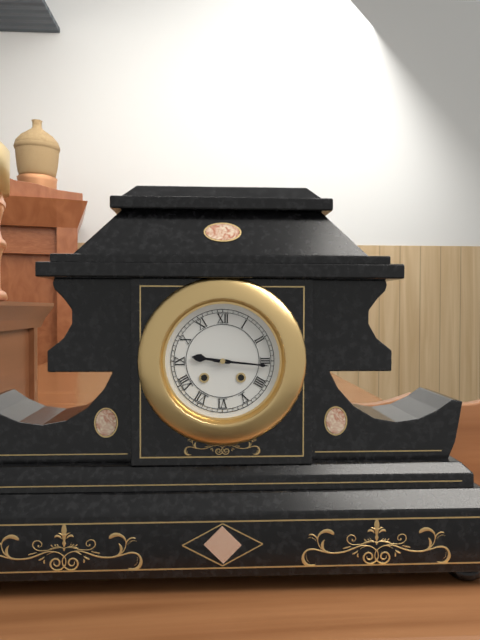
9:16
